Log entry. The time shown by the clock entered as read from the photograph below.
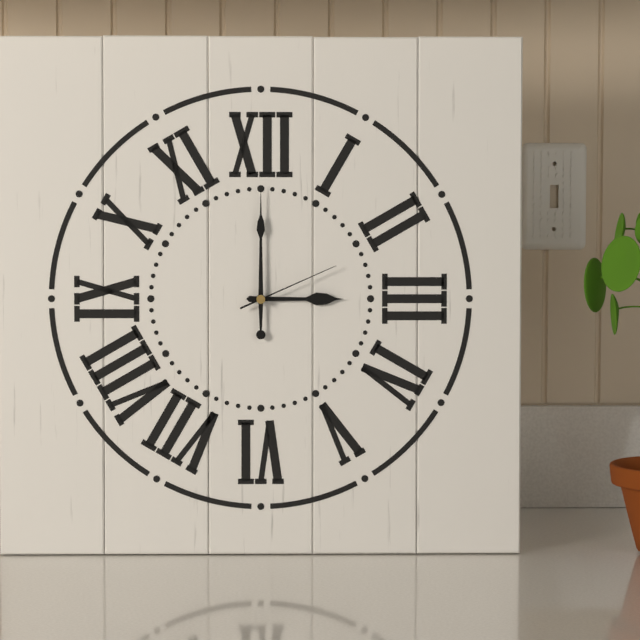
3:00:11
